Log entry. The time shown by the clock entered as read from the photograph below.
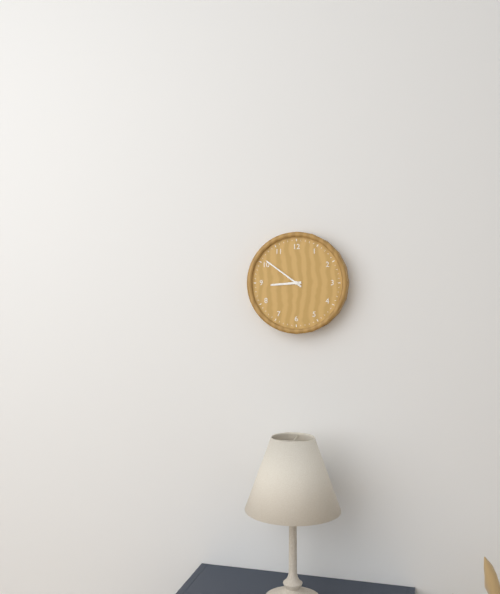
8:51
